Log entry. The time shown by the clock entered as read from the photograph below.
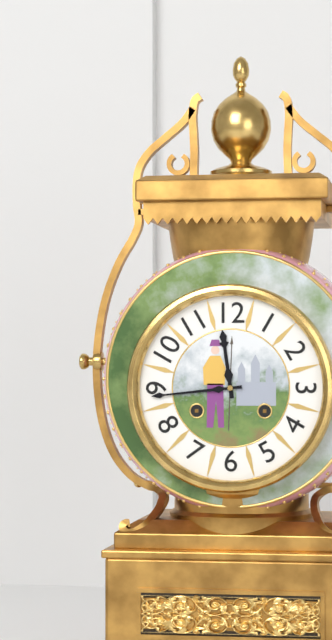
11:44
